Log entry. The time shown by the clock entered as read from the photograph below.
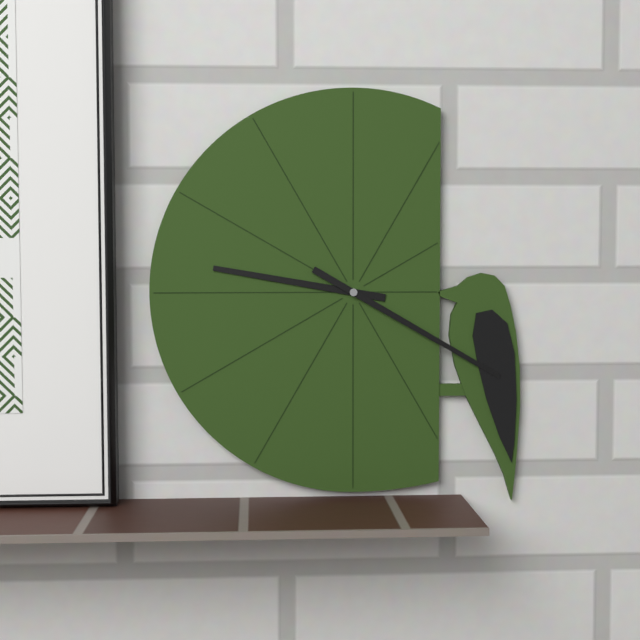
9:20
